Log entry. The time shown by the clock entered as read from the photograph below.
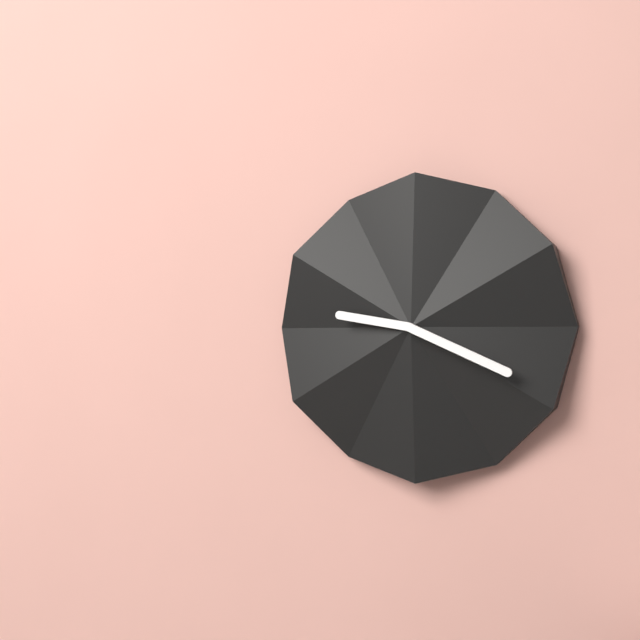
9:19
